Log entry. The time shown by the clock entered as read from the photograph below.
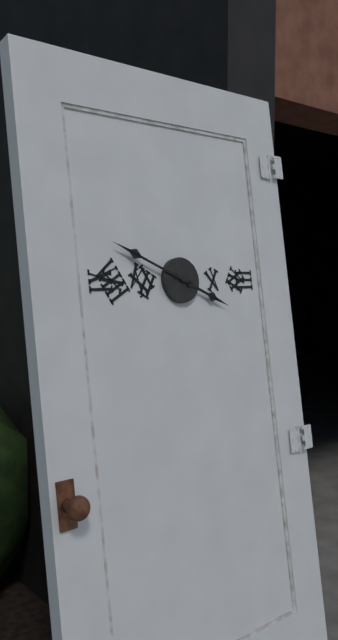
3:49
